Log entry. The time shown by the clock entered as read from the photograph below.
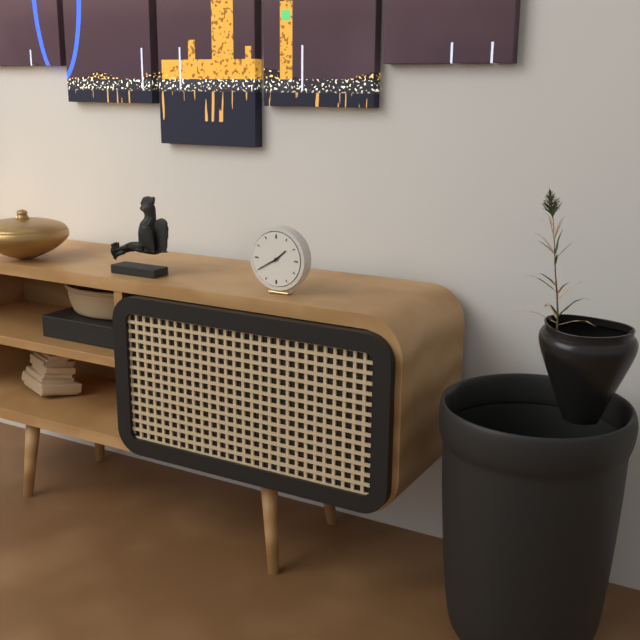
1:40
